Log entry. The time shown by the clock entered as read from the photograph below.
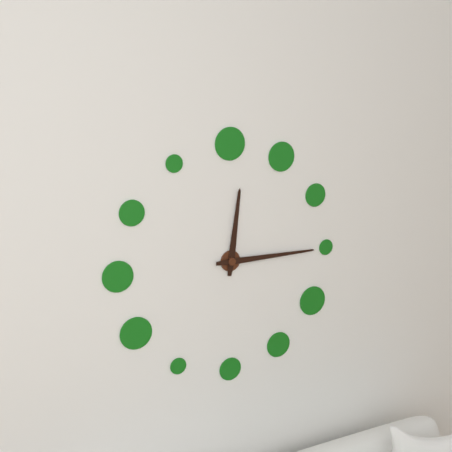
12:15
